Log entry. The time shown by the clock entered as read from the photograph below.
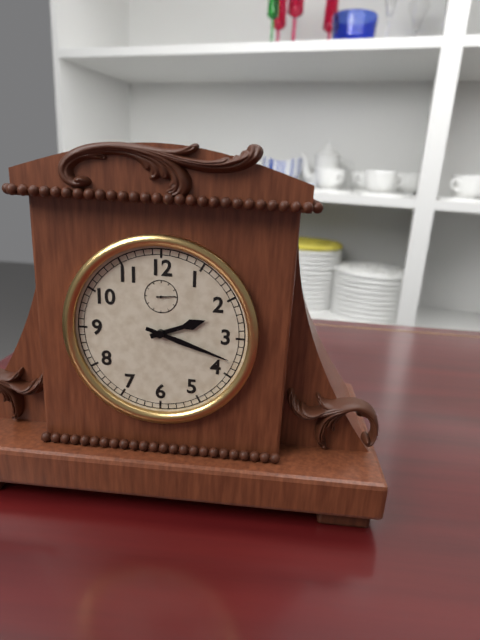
2:18
